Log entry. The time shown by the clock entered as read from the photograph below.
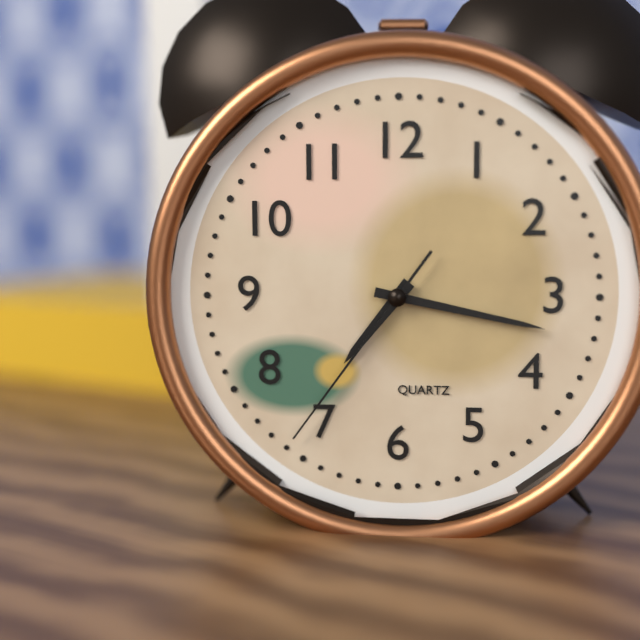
7:17:36
